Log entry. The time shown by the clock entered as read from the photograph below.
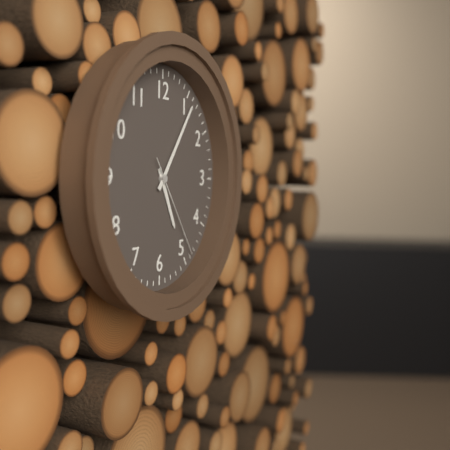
5:06:24
